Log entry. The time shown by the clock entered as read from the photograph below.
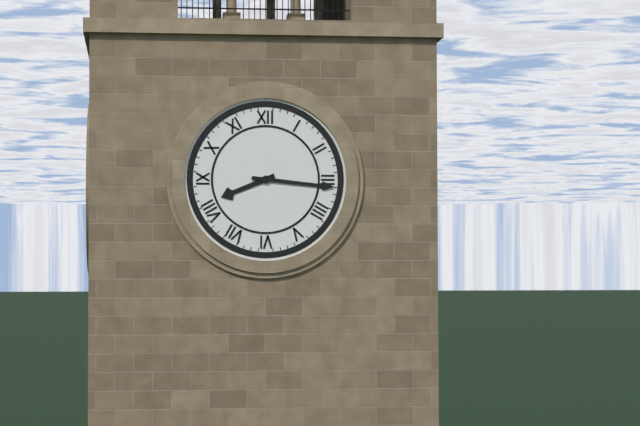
8:16
